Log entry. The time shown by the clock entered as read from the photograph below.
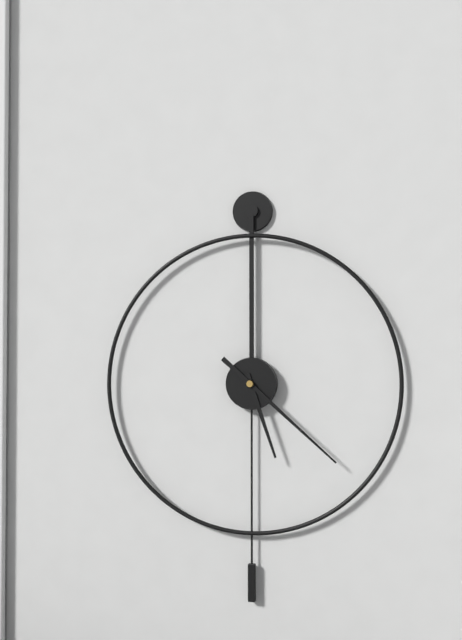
5:22
